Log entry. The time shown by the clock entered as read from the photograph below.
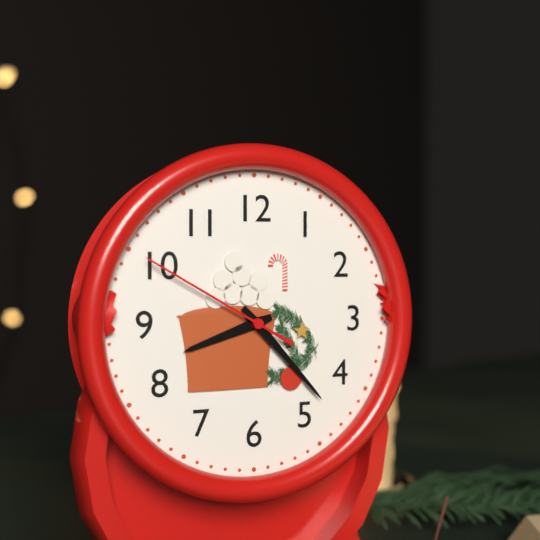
8:23:50
